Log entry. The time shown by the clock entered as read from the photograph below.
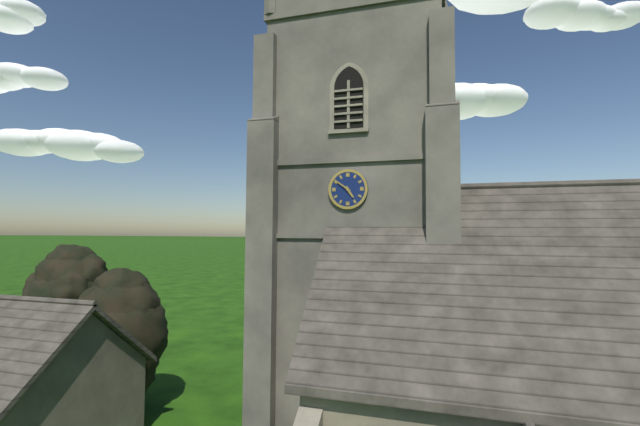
4:51
